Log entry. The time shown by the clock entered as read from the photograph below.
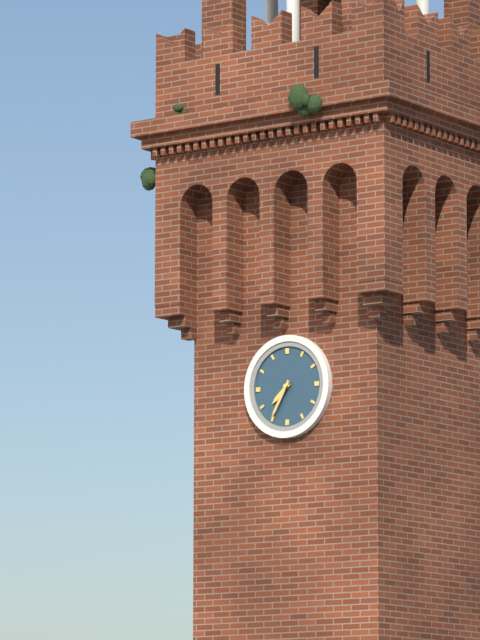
7:35
